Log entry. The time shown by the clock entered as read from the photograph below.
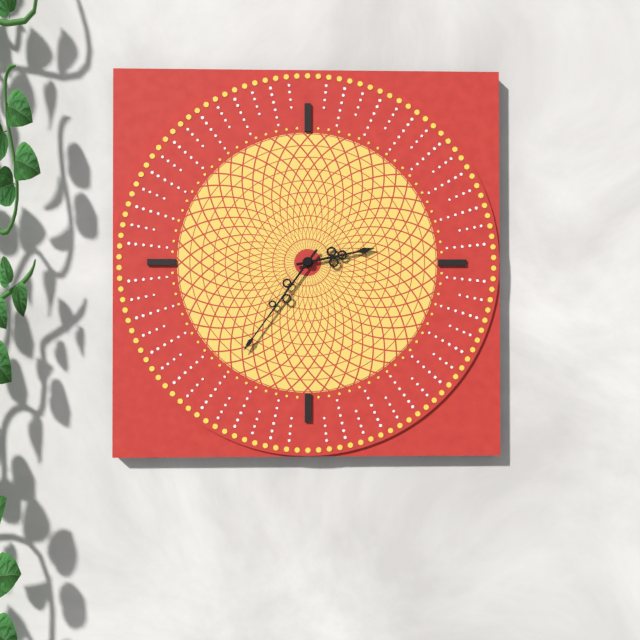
2:36
